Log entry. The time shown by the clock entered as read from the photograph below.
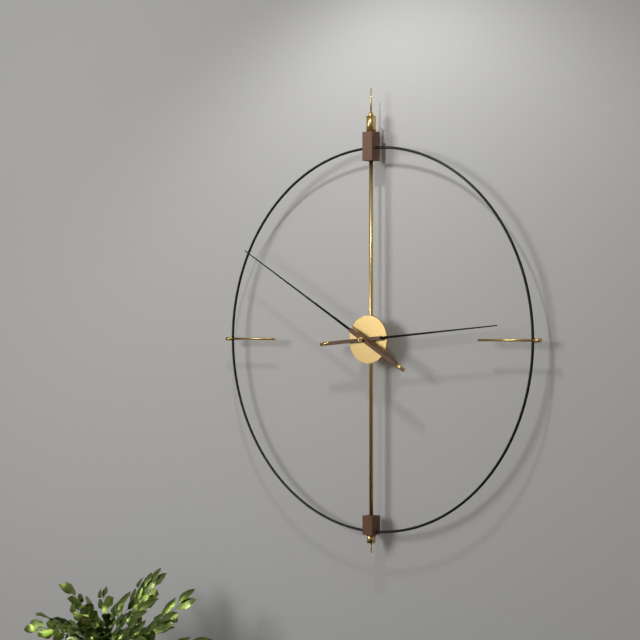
2:50
